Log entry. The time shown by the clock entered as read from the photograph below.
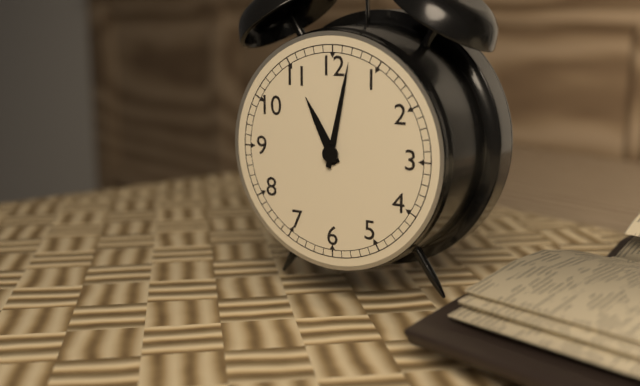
11:02
